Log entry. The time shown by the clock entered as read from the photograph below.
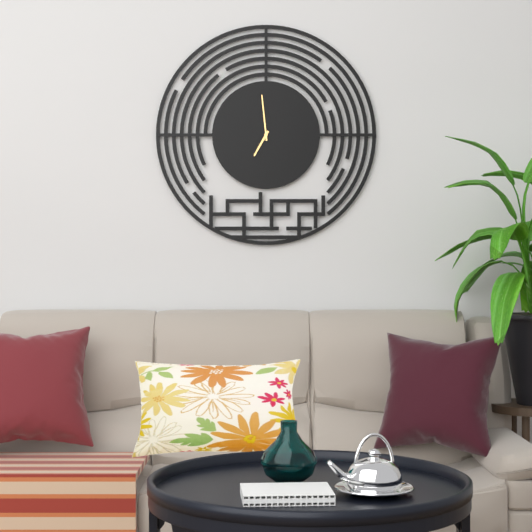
6:59
